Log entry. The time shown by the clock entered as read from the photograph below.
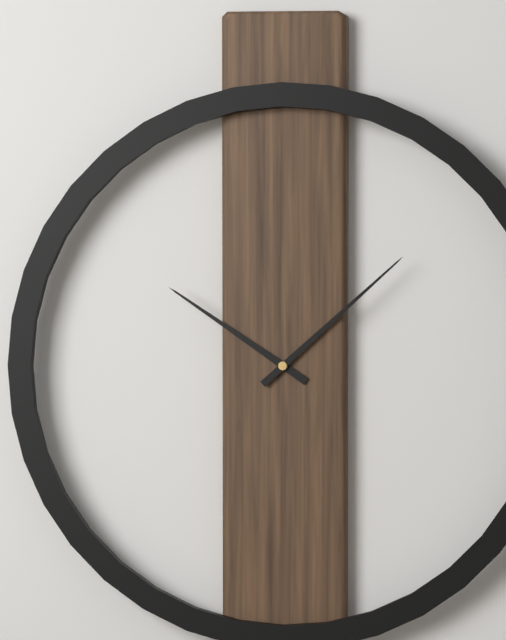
10:08
